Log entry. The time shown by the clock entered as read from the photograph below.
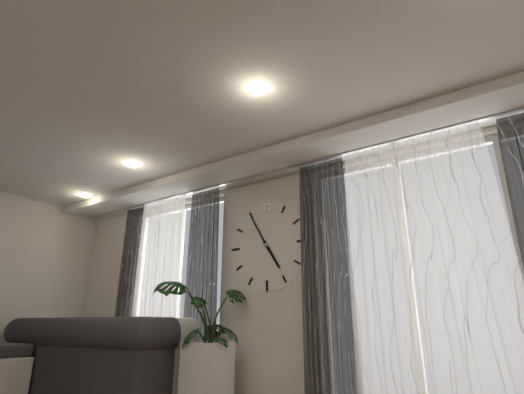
4:55
